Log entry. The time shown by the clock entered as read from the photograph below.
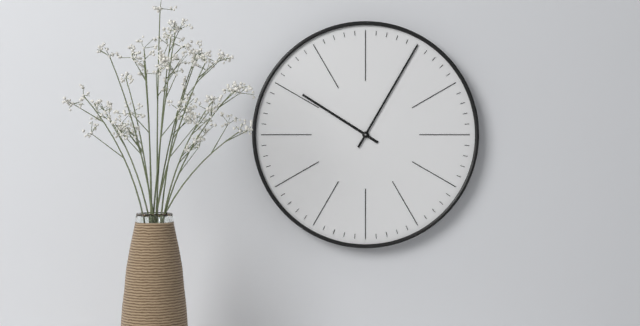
10:05
